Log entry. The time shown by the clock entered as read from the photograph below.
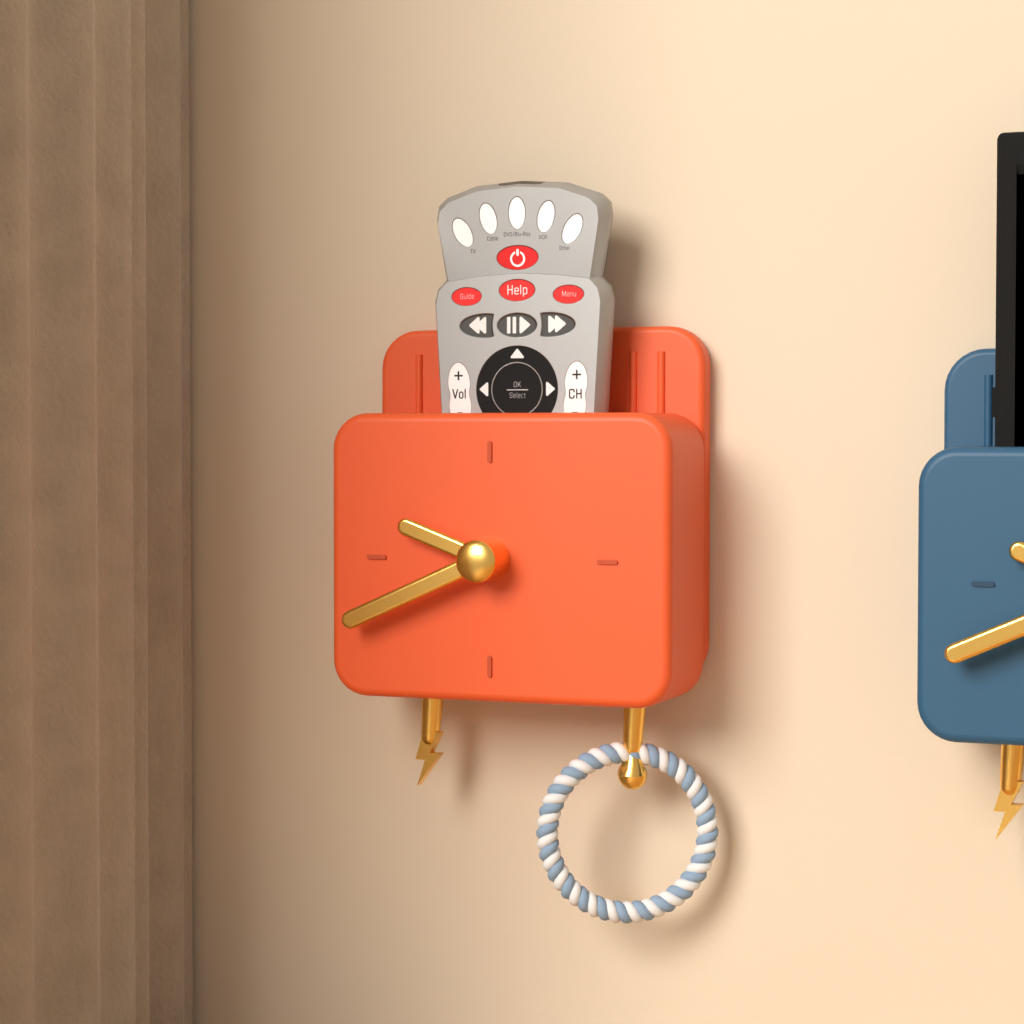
9:41
